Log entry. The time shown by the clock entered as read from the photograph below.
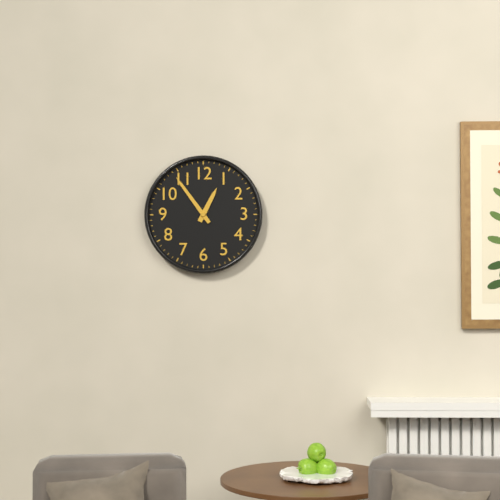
12:54
